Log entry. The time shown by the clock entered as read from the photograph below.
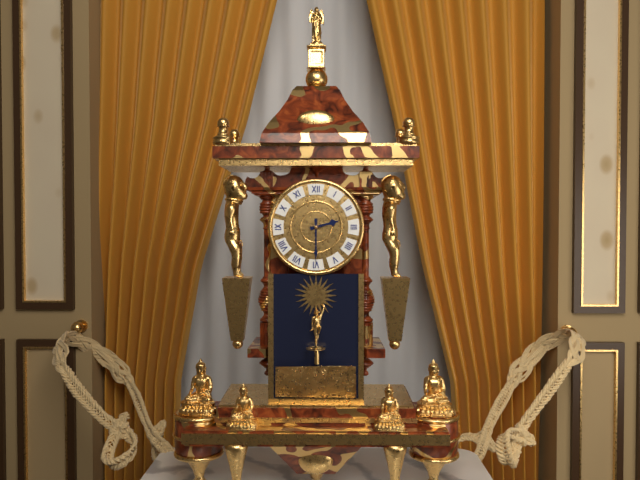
2:30
